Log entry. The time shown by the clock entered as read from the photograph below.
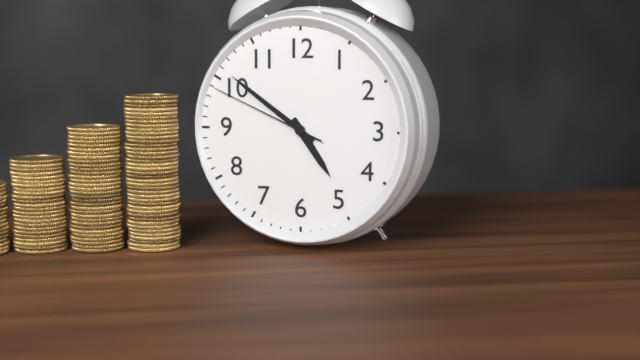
4:51:49
